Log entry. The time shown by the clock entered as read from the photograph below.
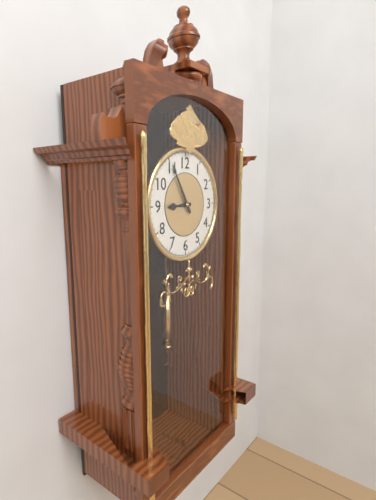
8:55
